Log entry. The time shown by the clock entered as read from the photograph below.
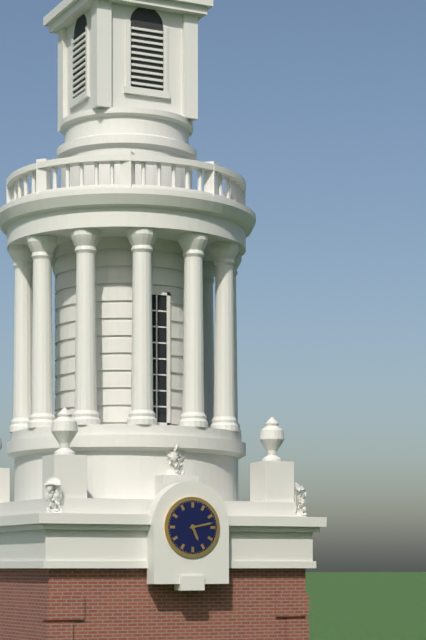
5:13
